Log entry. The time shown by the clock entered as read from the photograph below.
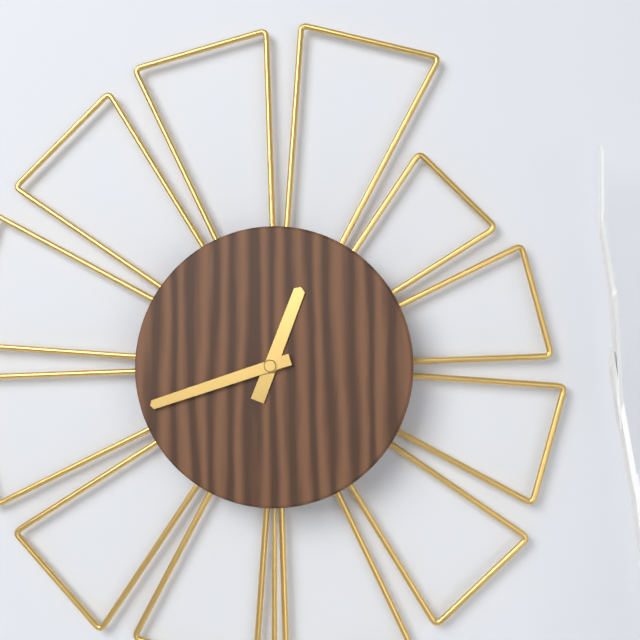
12:42
